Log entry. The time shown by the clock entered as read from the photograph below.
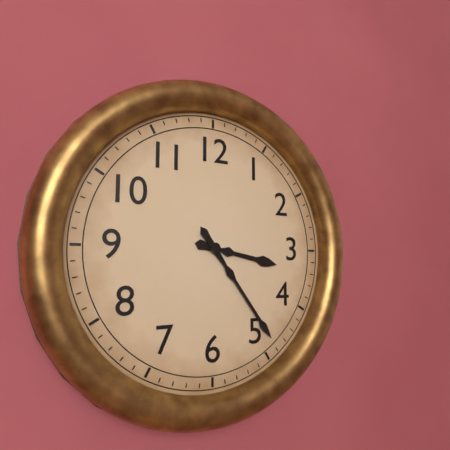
3:24
